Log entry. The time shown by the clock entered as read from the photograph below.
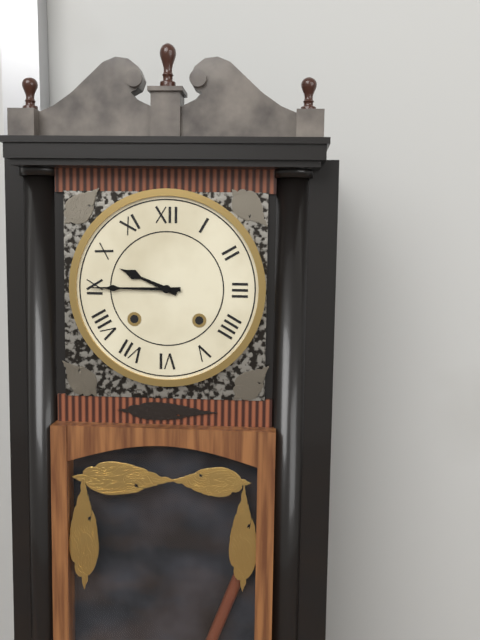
9:45
